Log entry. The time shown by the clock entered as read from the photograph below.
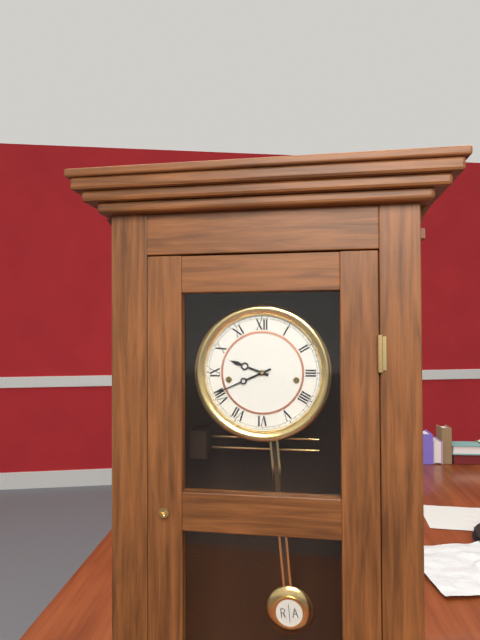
9:41
